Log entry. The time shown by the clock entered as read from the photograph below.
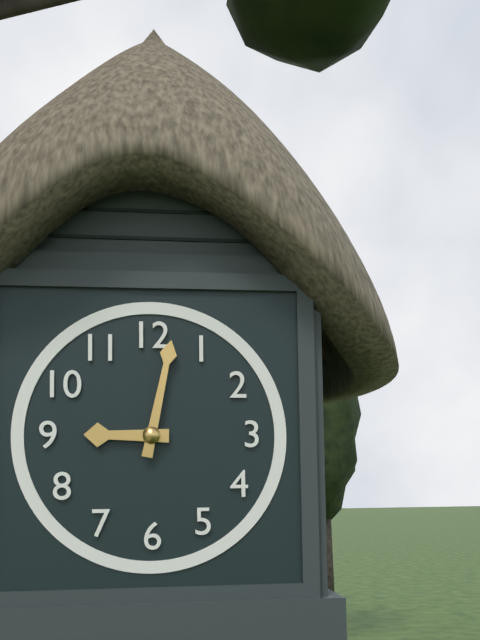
9:02
